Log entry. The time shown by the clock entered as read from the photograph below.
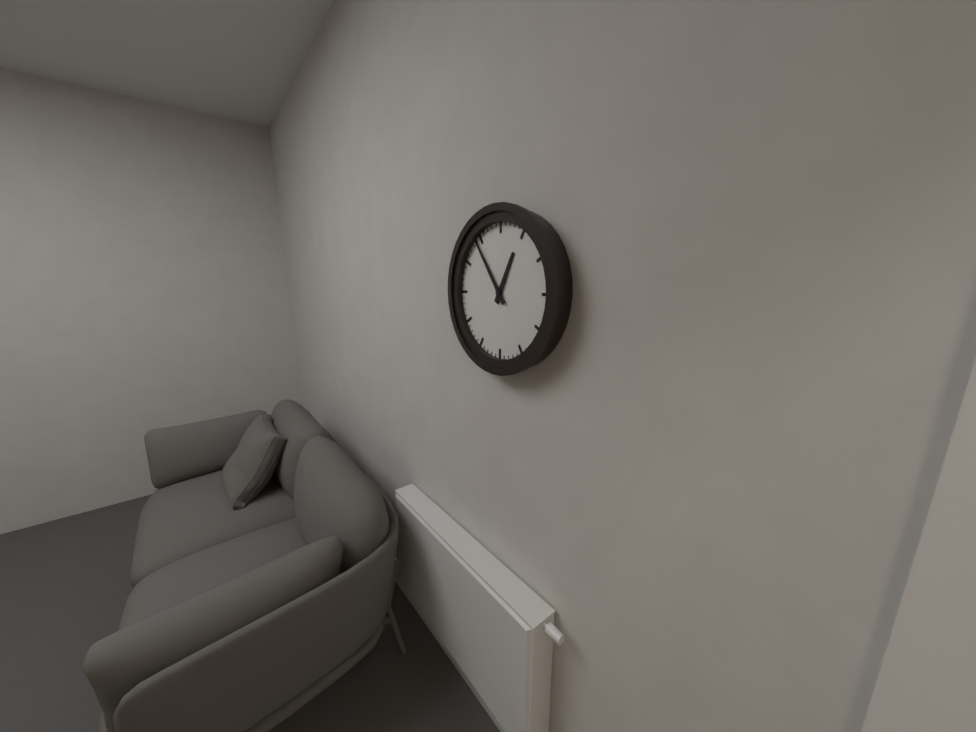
12:54
